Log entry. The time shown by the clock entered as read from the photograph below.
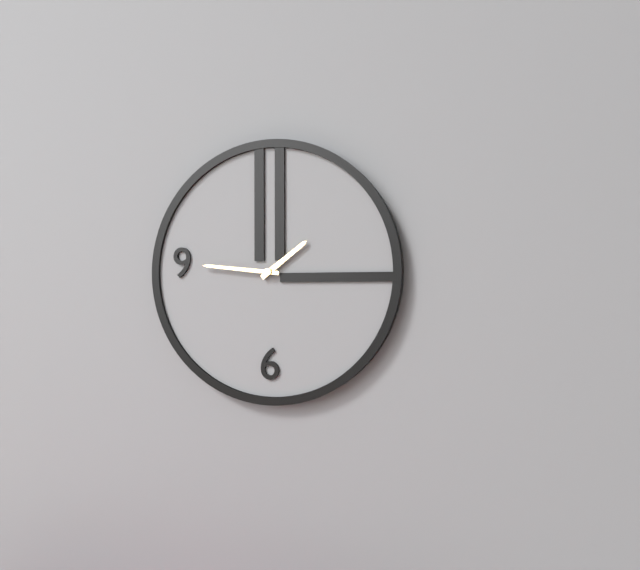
1:46
